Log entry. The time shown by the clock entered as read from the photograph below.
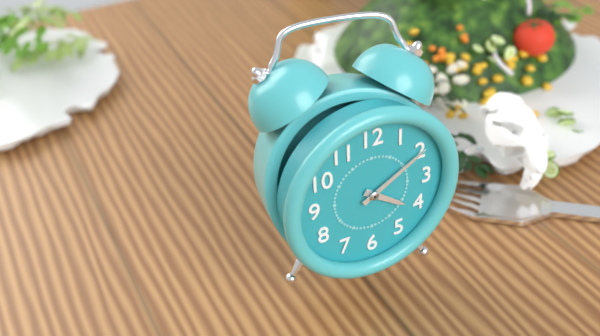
4:10
